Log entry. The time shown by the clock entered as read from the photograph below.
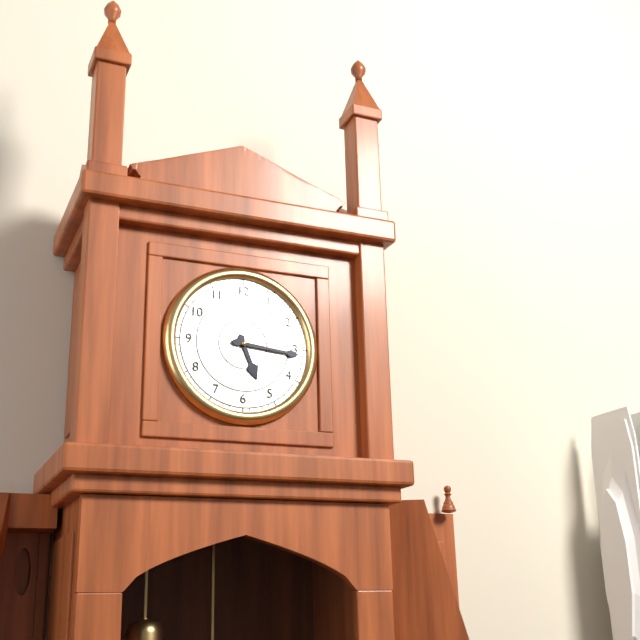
5:16
